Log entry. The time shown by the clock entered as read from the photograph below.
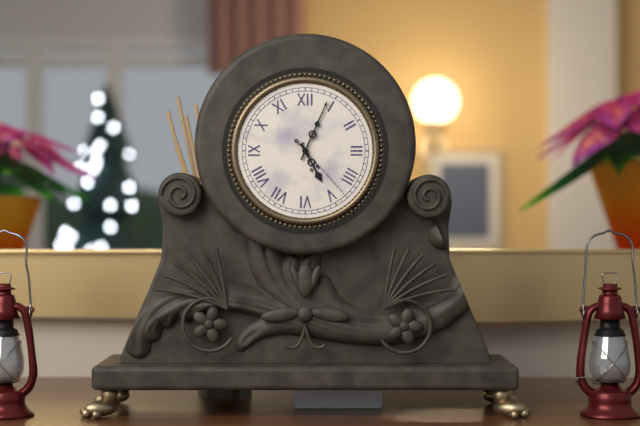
5:04:23
